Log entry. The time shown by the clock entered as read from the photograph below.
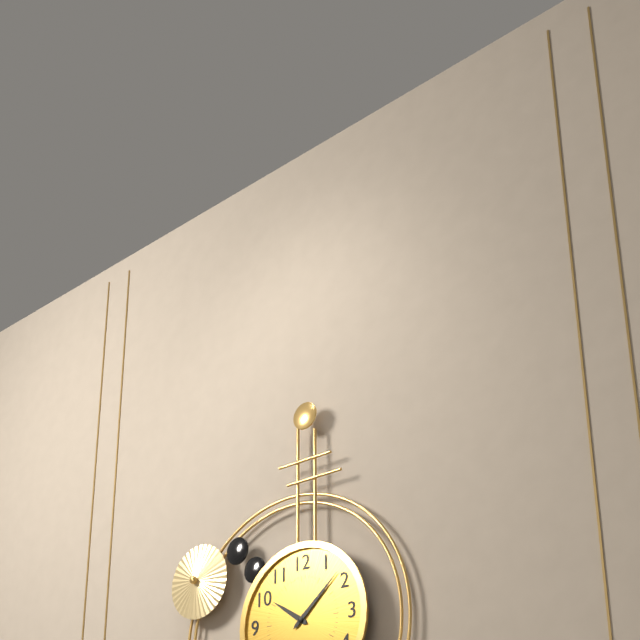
10:08
